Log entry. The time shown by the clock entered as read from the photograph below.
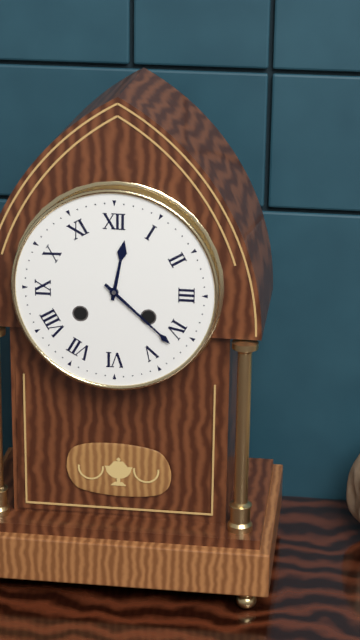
12:22
